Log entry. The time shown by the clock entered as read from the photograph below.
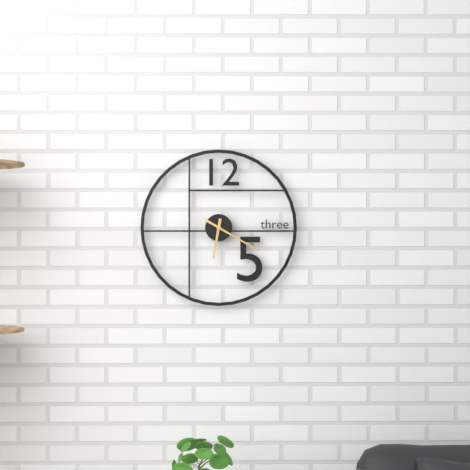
6:20
